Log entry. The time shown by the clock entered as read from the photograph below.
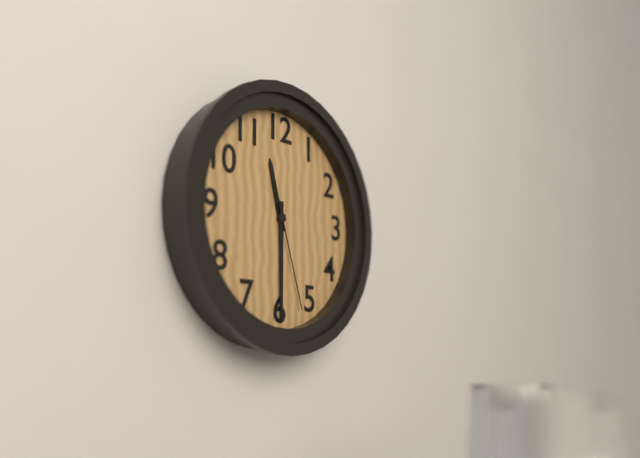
11:30:27
